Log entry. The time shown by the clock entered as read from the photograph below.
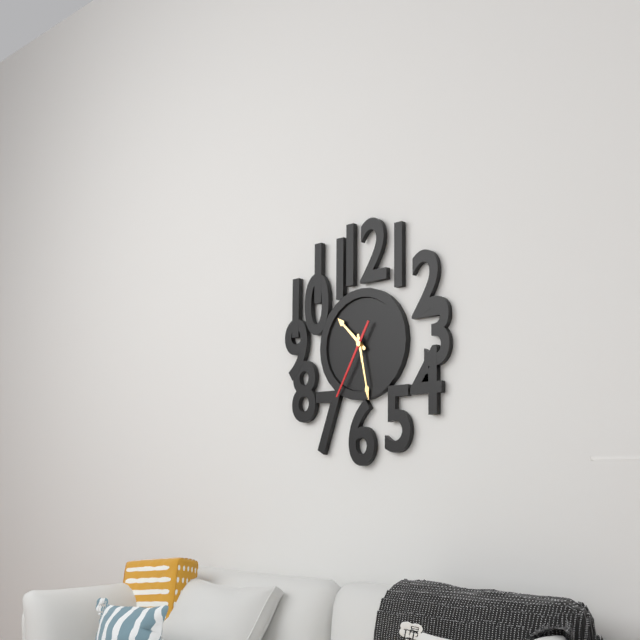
10:28:35
